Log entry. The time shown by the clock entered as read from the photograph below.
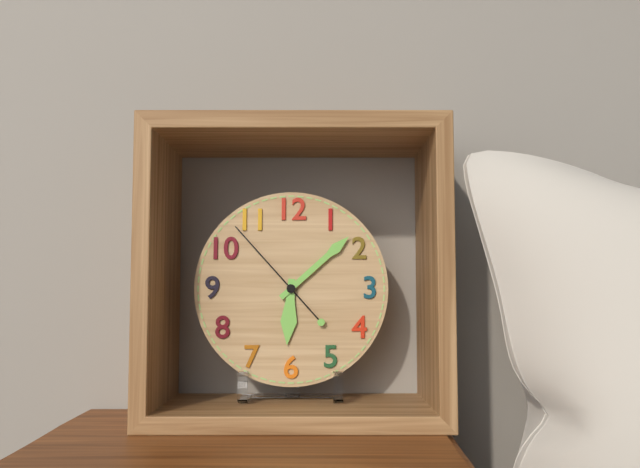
6:08:53
